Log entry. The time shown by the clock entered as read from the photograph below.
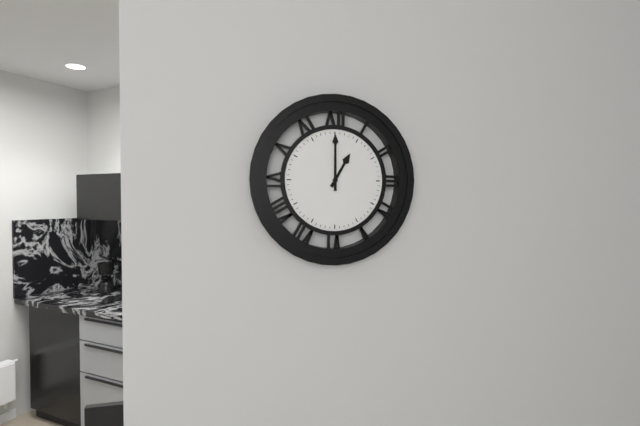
1:00
